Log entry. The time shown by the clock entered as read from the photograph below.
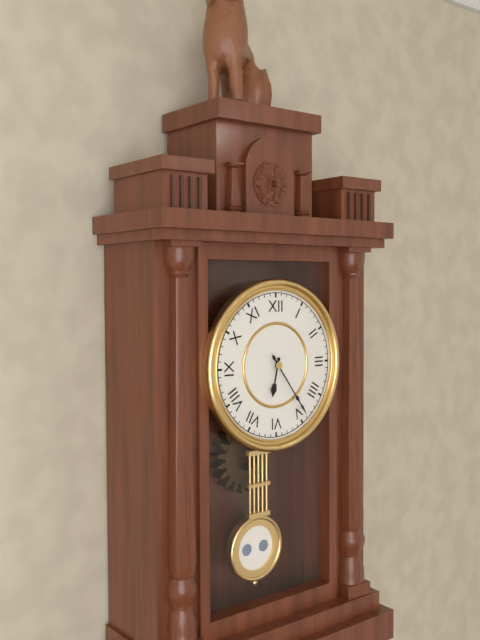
6:24
